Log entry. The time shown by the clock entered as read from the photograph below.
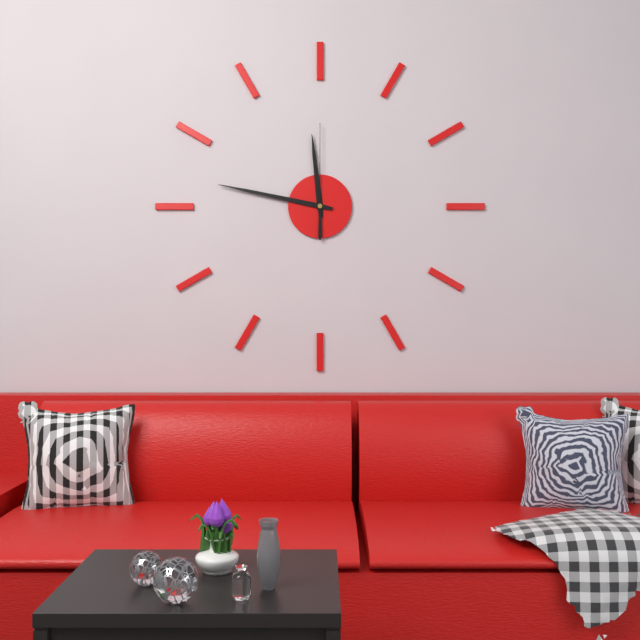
11:47:00
